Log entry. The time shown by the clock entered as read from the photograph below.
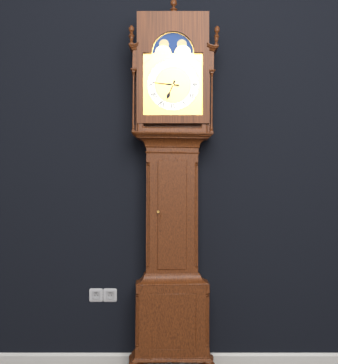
6:46
